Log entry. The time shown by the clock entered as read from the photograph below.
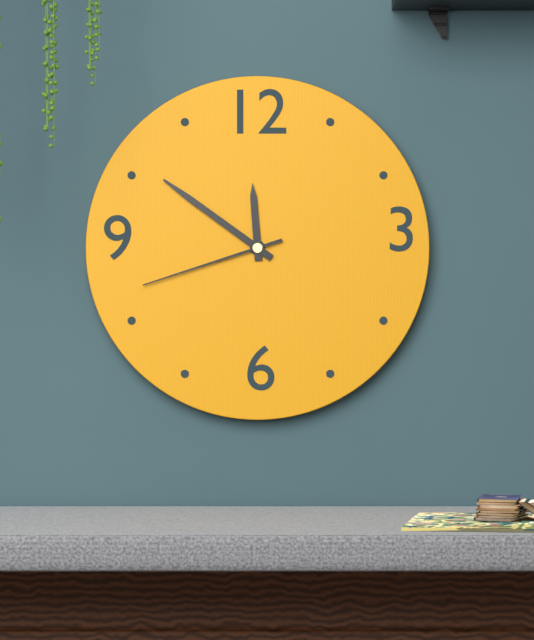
11:51:42
